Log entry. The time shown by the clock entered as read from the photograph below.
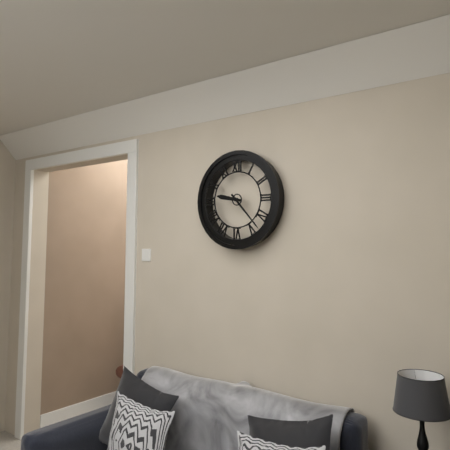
9:23
